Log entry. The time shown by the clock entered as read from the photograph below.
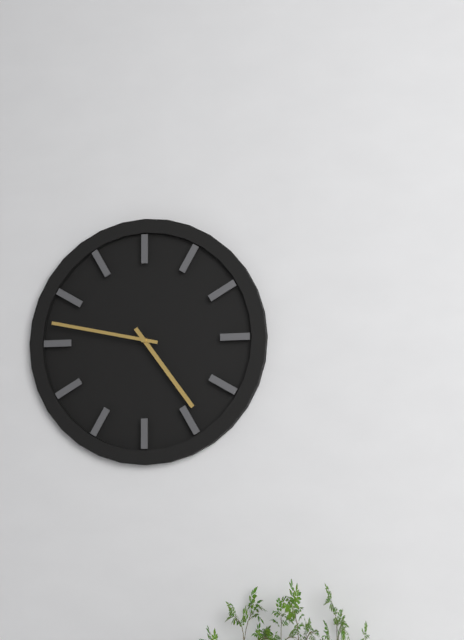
4:47
